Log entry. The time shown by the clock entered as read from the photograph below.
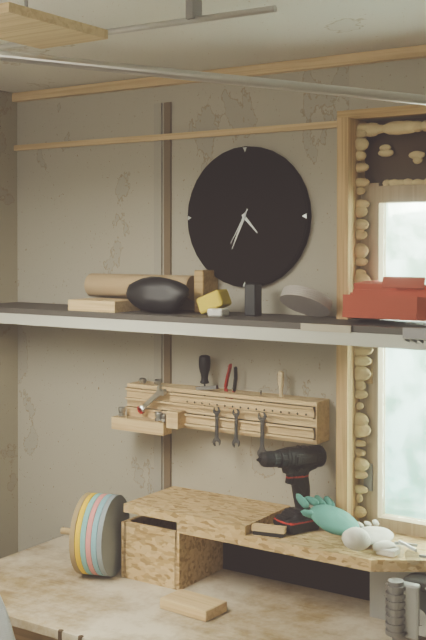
4:34
